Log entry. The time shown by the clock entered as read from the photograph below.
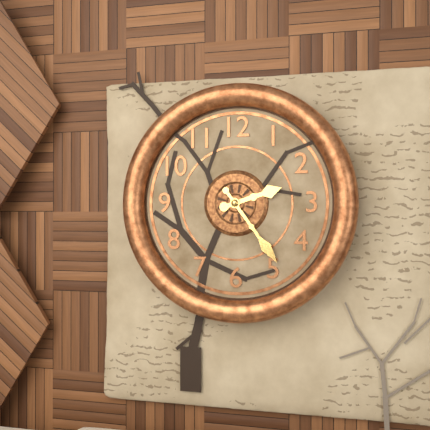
2:24
